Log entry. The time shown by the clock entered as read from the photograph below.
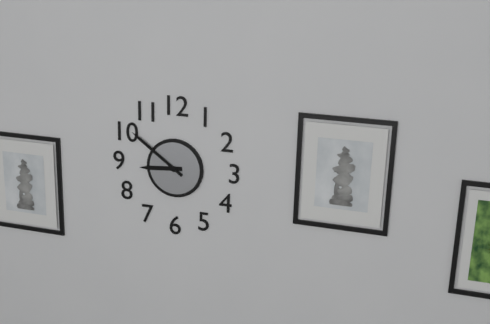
8:51
